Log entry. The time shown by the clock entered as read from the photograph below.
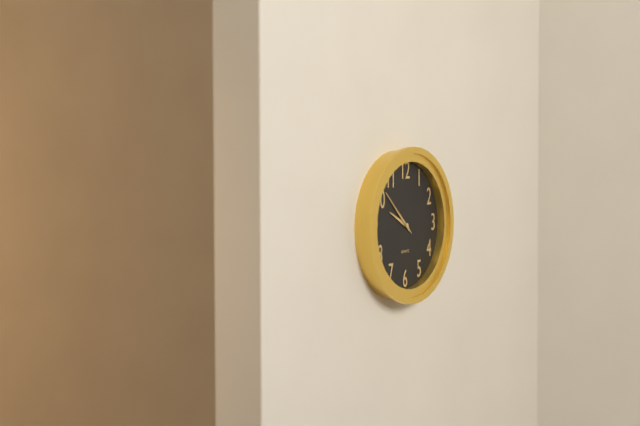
9:52
